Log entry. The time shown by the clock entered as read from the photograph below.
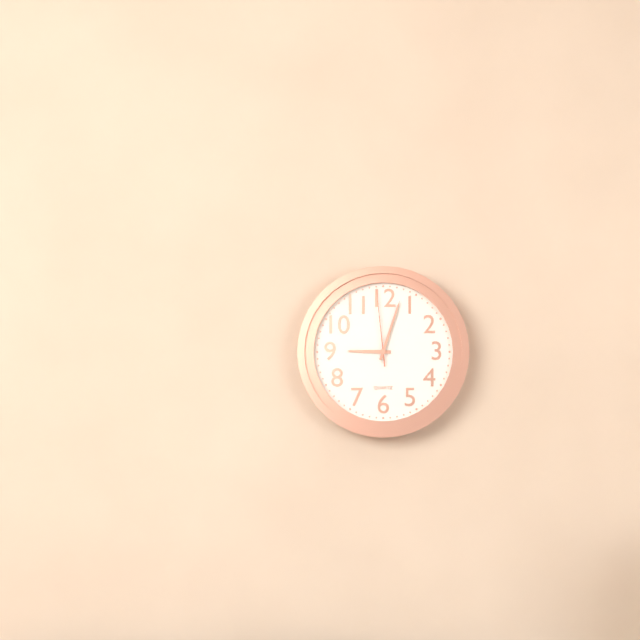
9:03:59
